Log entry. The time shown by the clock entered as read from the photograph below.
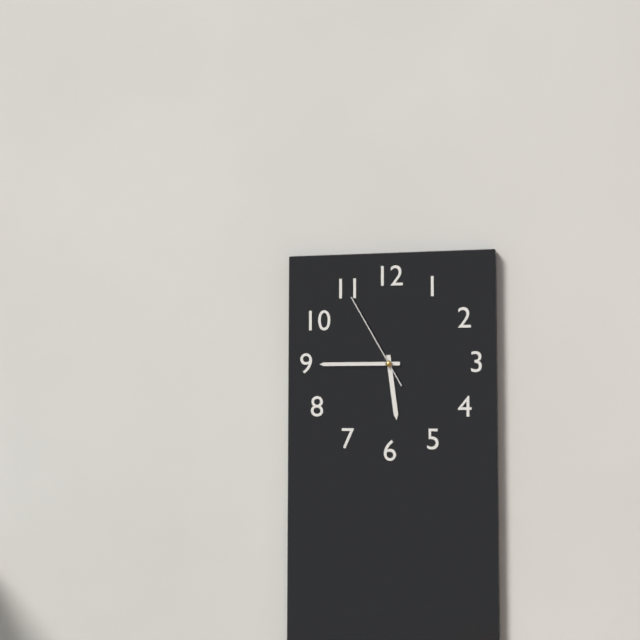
5:45:55
